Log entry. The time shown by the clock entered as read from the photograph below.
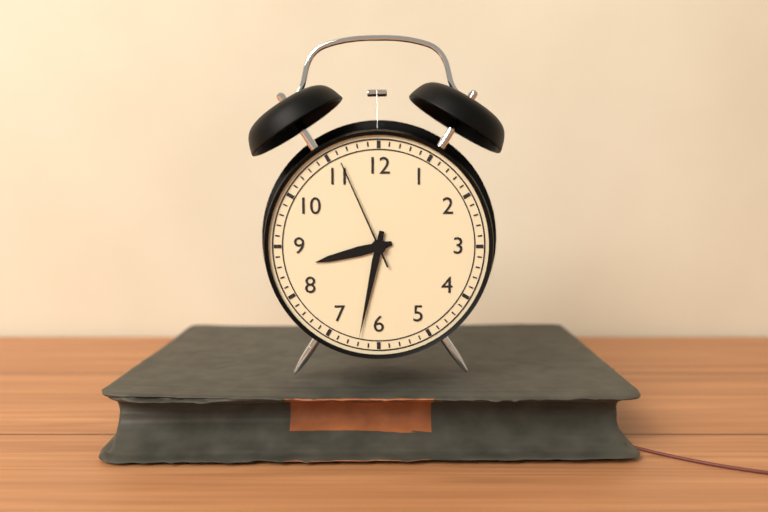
8:32:56
